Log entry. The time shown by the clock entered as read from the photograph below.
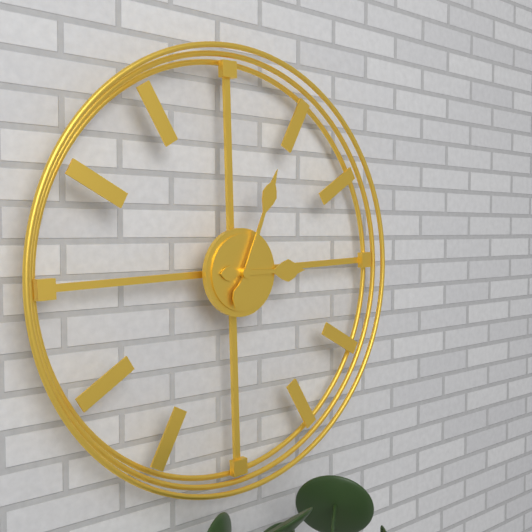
3:04
